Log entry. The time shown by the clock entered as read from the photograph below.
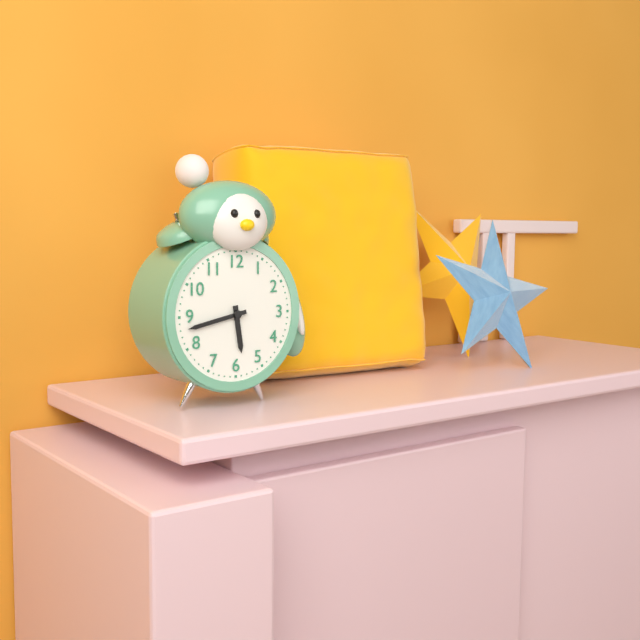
5:43
